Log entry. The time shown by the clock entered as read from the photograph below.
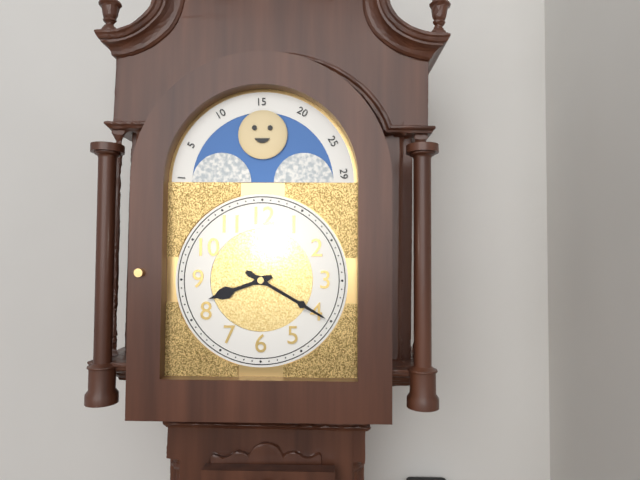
8:20
